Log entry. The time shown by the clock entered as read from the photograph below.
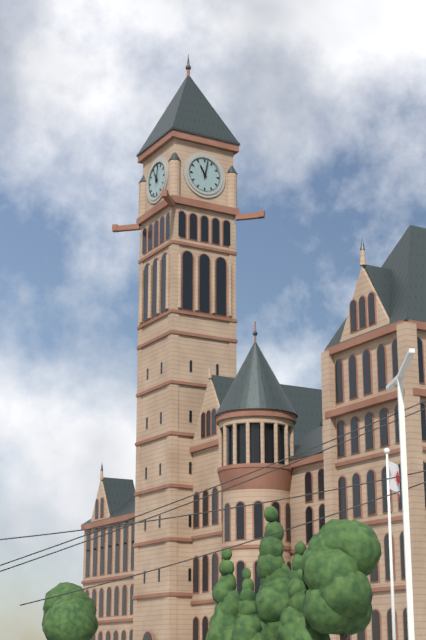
11:02
